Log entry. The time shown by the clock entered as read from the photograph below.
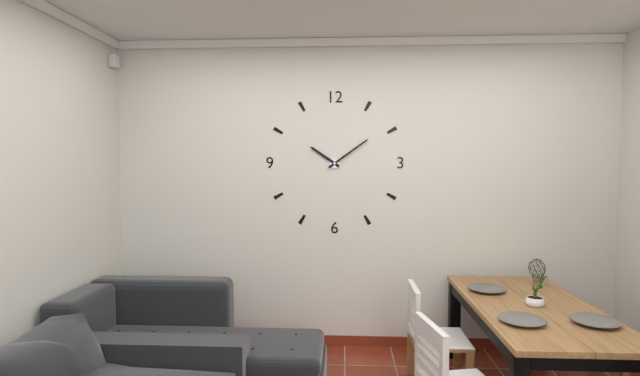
10:09
